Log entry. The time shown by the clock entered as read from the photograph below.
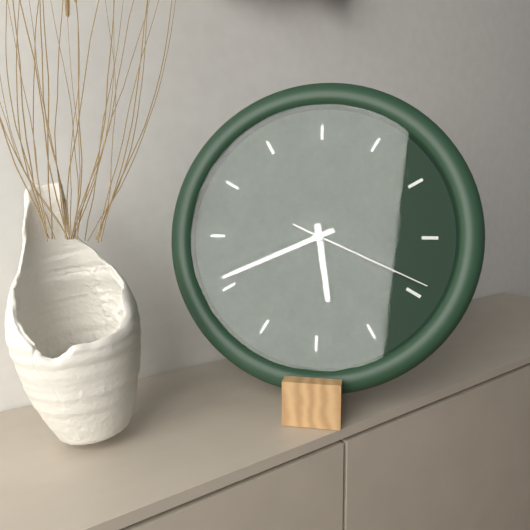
5:41:19
